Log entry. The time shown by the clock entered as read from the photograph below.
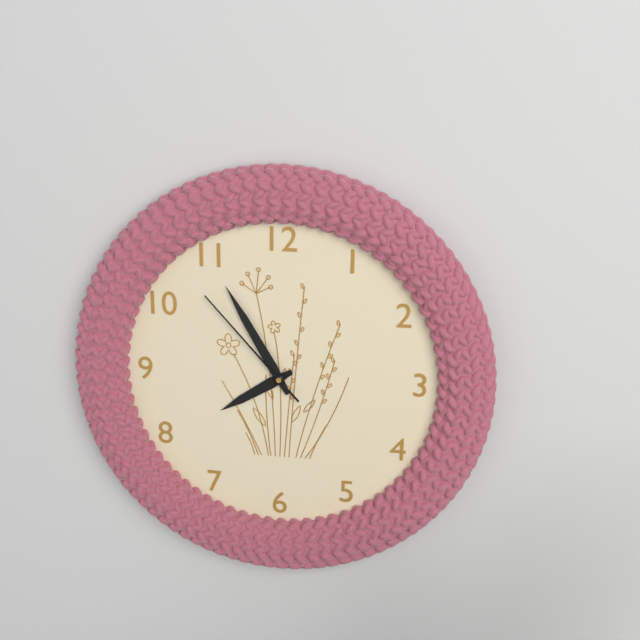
7:55:53
